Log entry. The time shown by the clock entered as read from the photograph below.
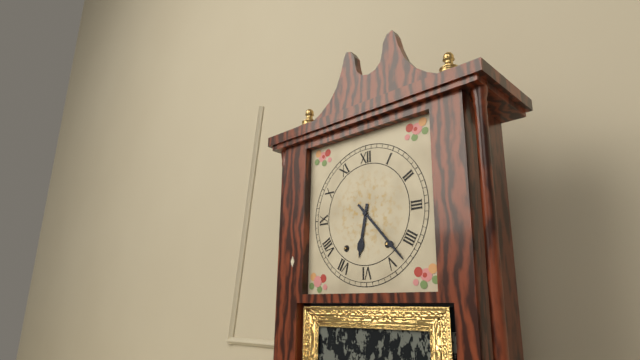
6:23
